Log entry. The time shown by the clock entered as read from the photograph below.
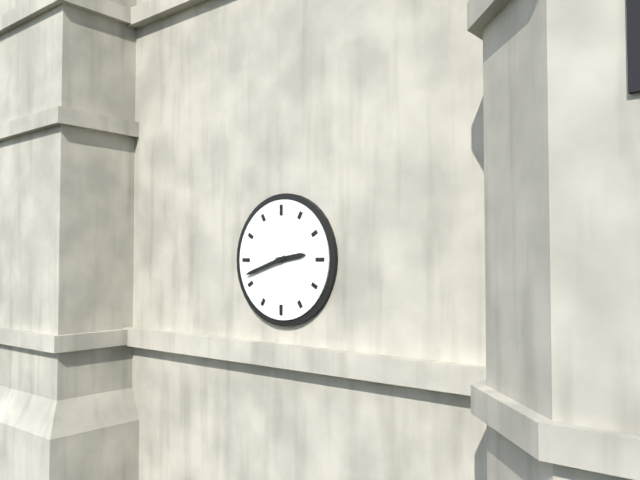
2:42
